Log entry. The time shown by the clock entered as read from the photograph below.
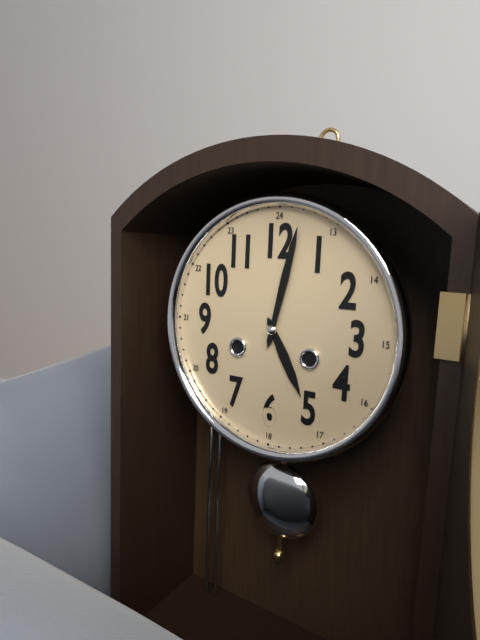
5:02
